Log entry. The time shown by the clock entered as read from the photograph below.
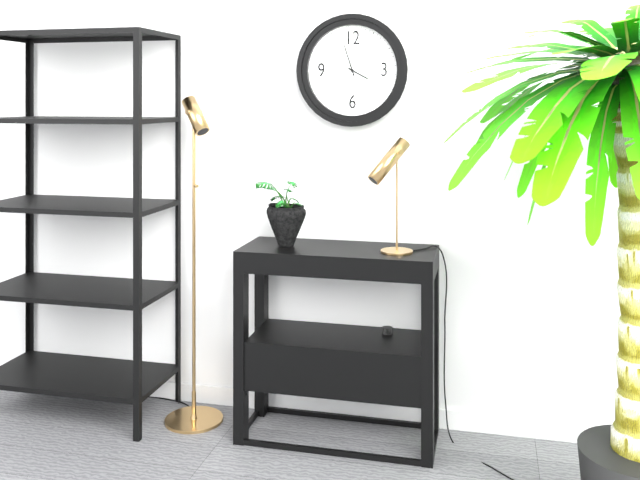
3:57
